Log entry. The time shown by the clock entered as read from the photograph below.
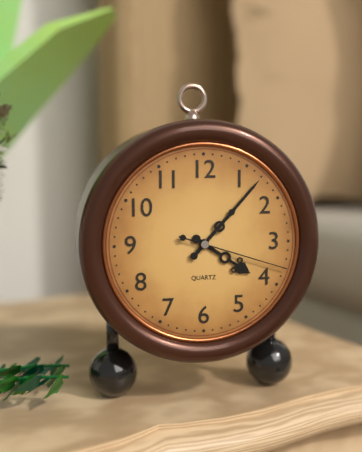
4:07:18
